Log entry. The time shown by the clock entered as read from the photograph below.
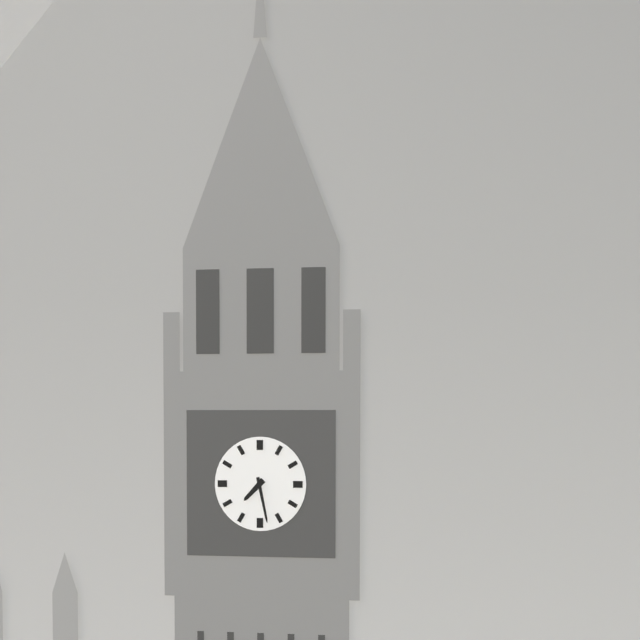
7:28
